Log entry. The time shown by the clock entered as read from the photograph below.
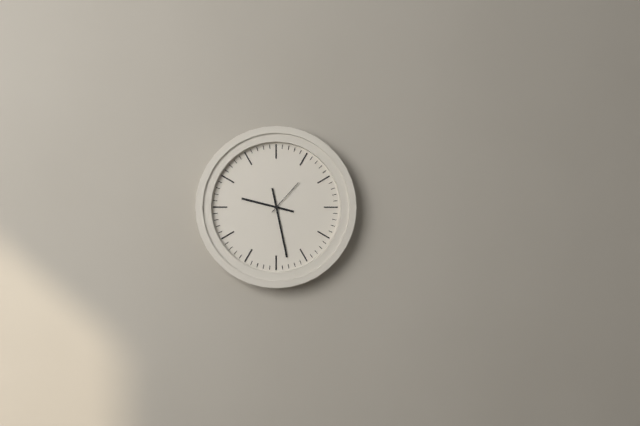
9:28
